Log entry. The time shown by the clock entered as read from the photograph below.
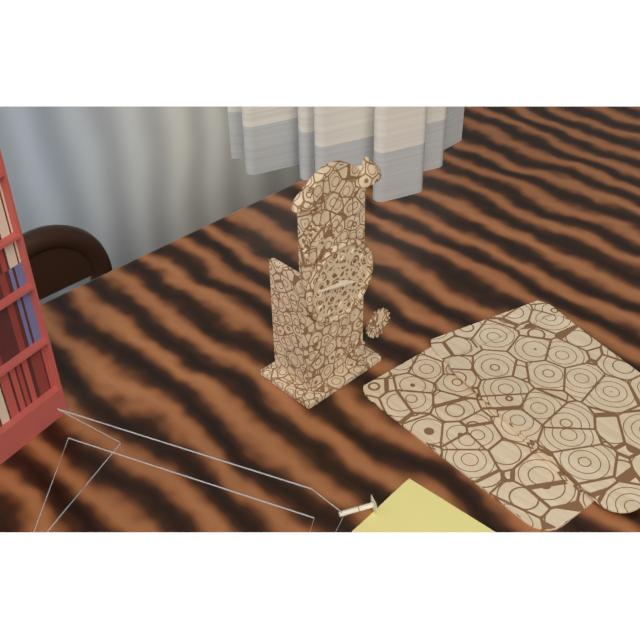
3:47
